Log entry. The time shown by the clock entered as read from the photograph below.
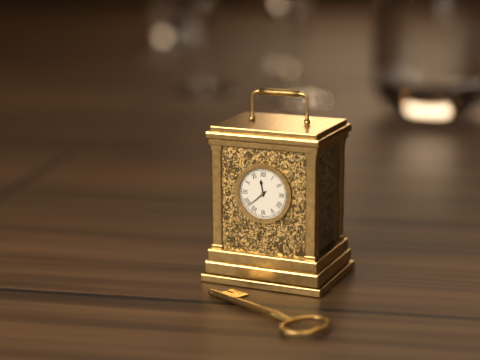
11:38
